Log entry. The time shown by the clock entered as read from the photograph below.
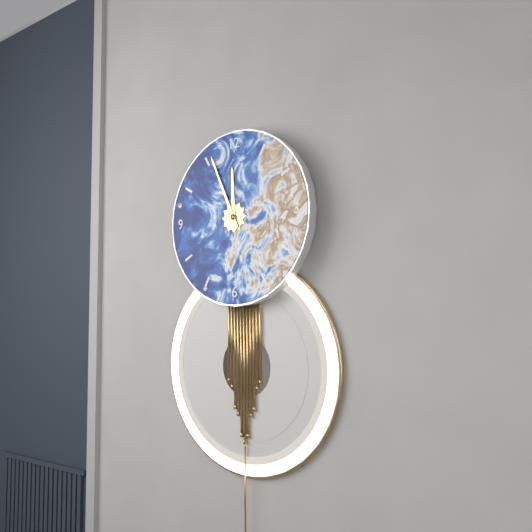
11:56
